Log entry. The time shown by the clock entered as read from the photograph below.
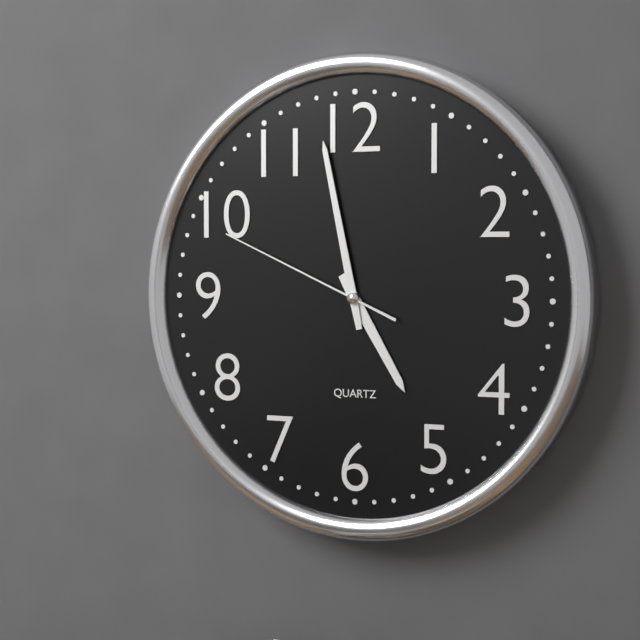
4:58:49
